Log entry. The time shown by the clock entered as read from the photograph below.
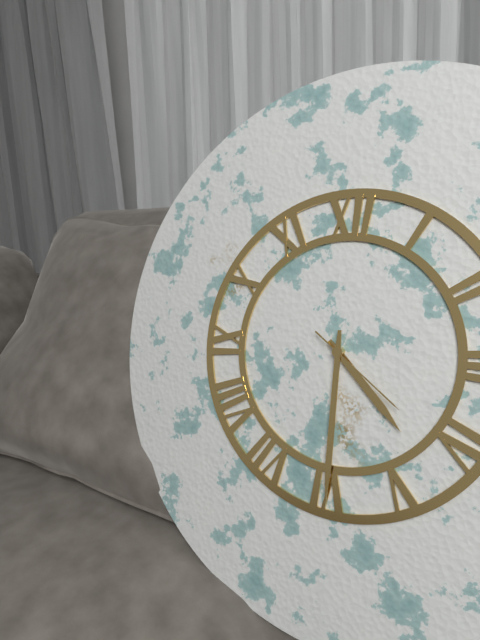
4:30:21
